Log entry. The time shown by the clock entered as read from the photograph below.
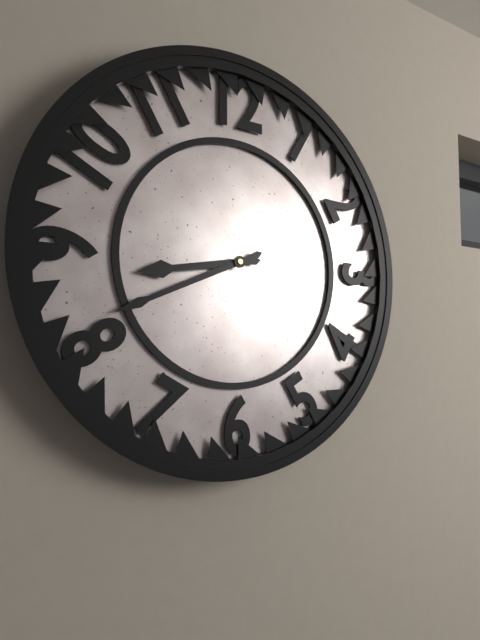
8:41
